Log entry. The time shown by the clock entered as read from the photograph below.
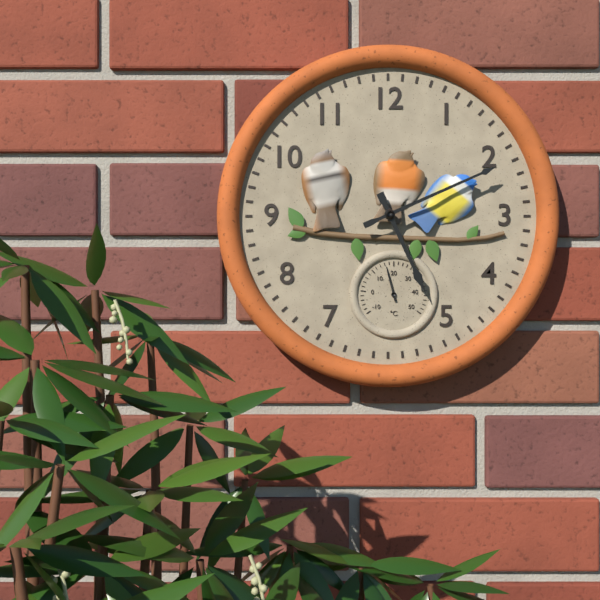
5:11
